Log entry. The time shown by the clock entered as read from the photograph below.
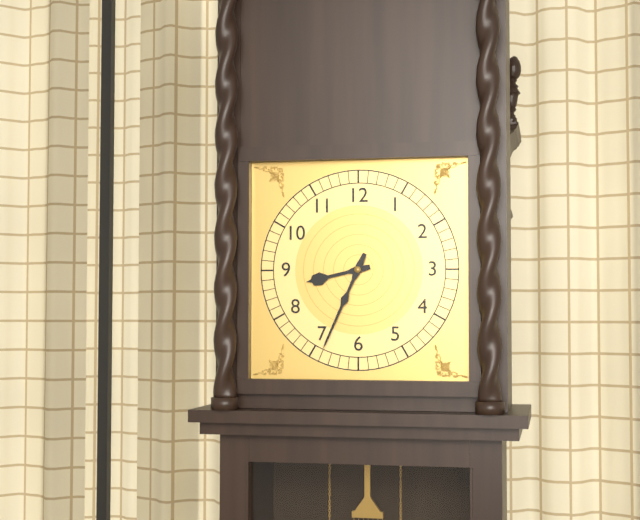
8:34
